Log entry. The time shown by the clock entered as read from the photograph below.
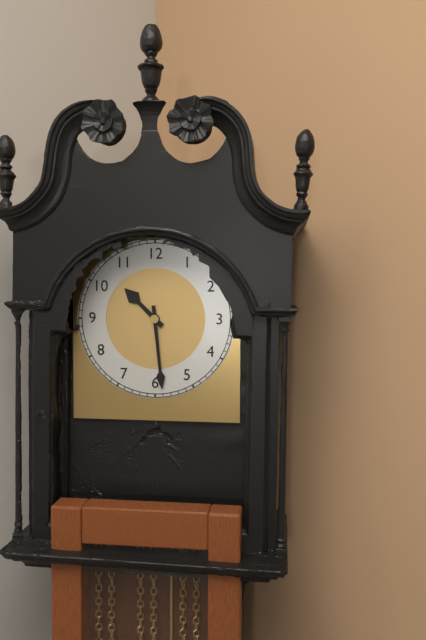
10:29
